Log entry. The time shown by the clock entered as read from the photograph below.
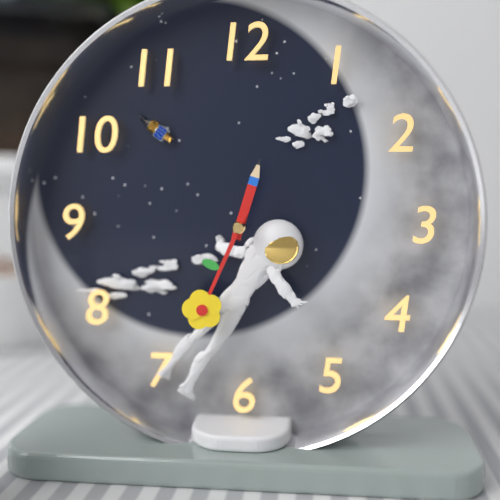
12:34
